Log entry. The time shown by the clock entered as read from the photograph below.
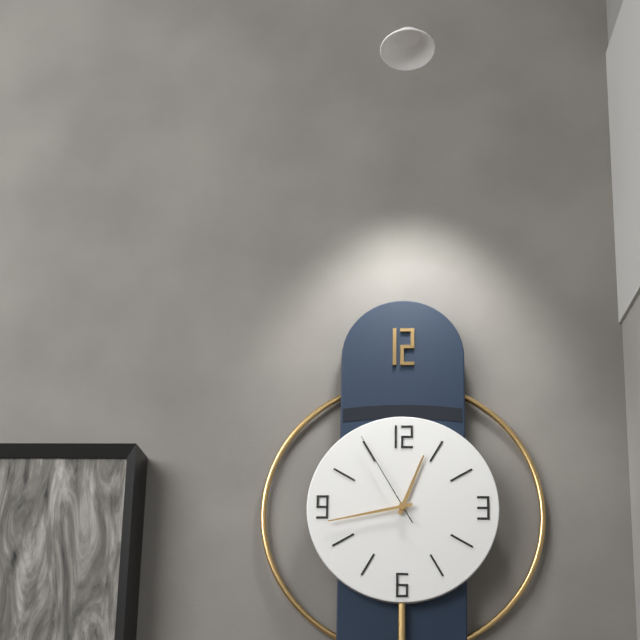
12:43:55
